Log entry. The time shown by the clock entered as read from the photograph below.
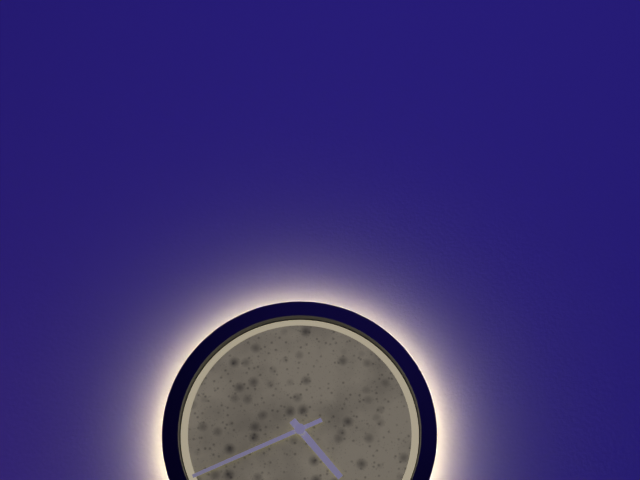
4:41
